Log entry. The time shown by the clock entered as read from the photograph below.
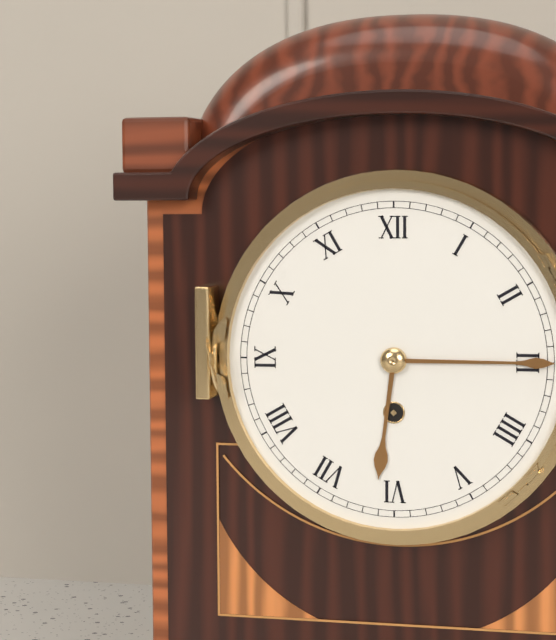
6:15
